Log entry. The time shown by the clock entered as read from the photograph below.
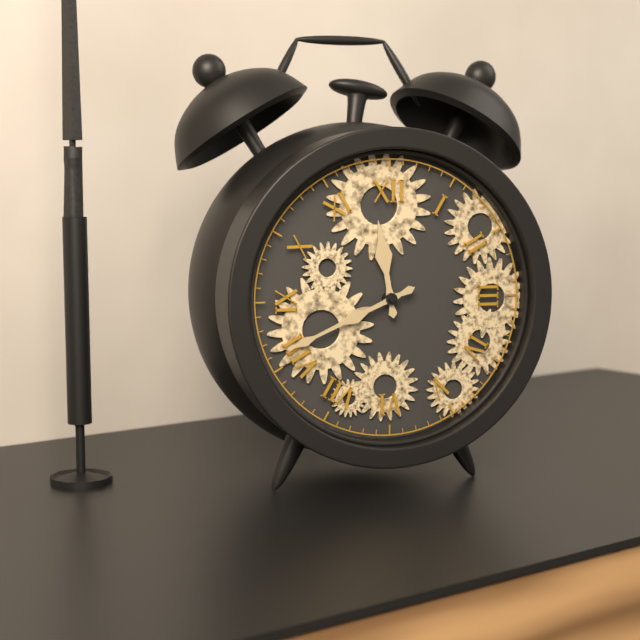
11:41
